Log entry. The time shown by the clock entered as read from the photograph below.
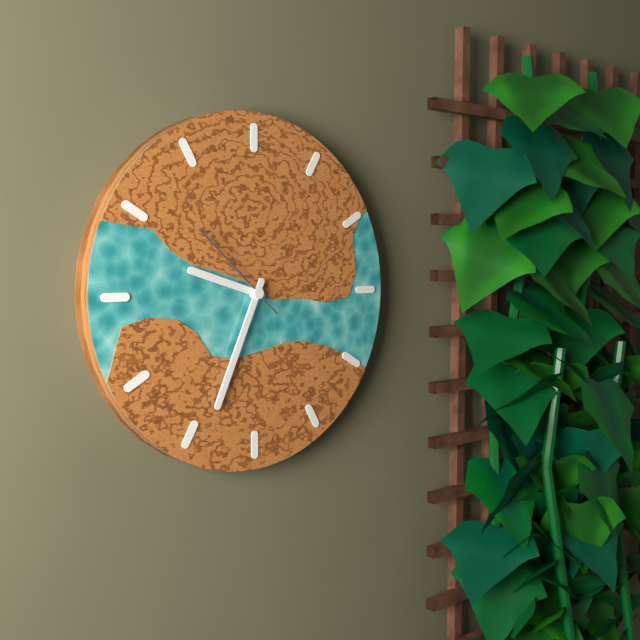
9:34:52
